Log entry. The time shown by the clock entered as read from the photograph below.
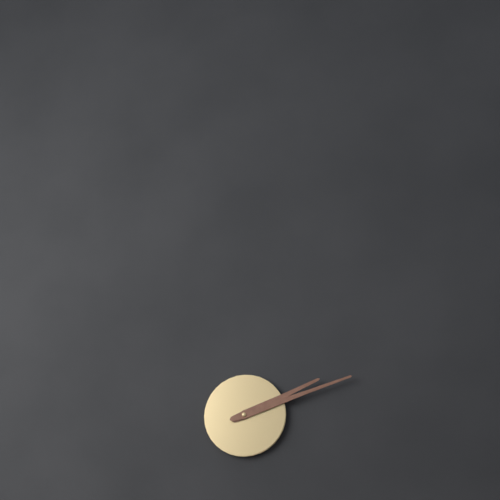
2:12
